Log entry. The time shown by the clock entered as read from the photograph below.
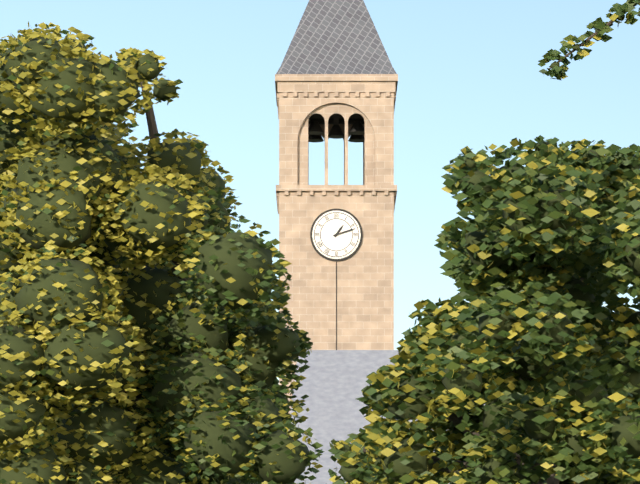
1:12
